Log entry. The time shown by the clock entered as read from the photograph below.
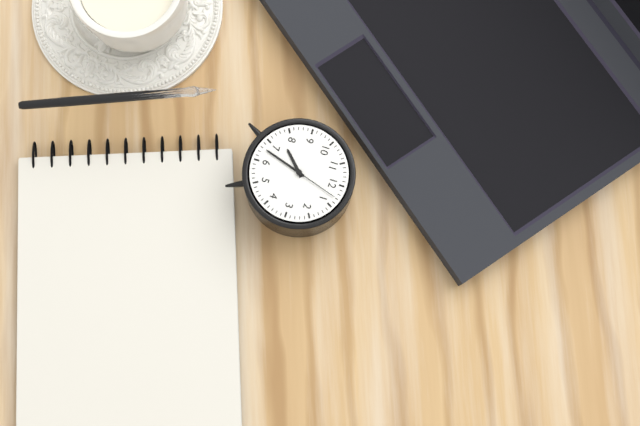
7:33:03
